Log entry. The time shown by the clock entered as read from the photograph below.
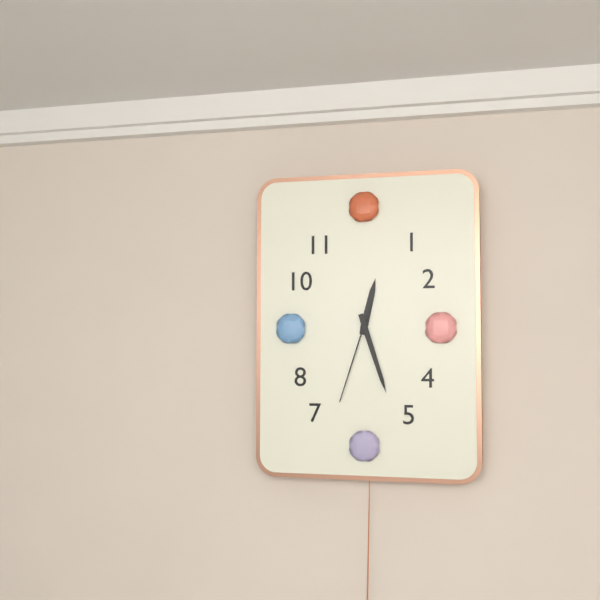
12:27:33
